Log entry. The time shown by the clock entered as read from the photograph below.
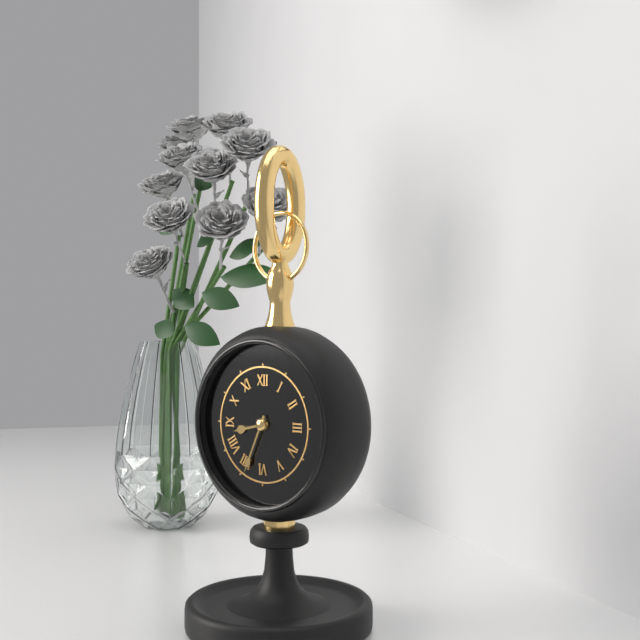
8:34
